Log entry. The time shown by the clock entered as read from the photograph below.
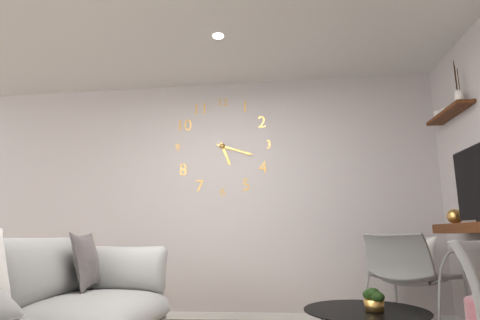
5:18
